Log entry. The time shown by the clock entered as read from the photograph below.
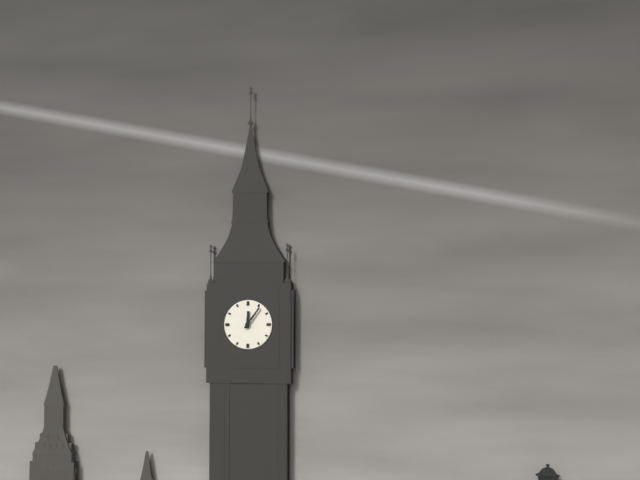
12:06
